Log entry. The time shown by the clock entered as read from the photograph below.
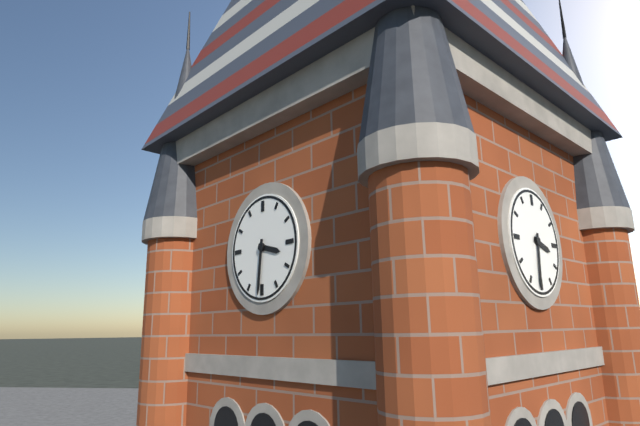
3:31
